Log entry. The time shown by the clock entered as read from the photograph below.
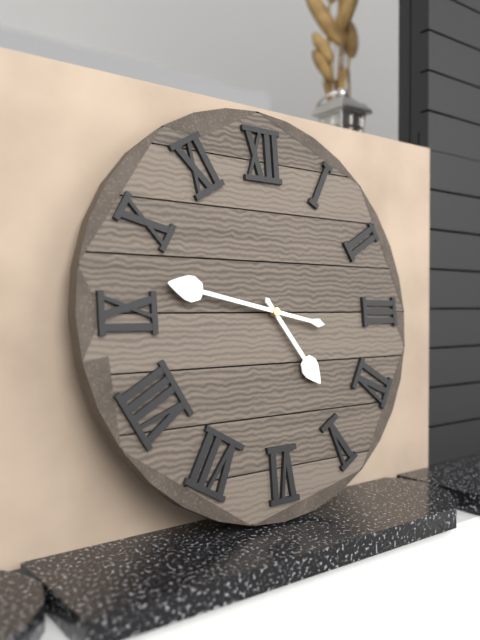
4:47
